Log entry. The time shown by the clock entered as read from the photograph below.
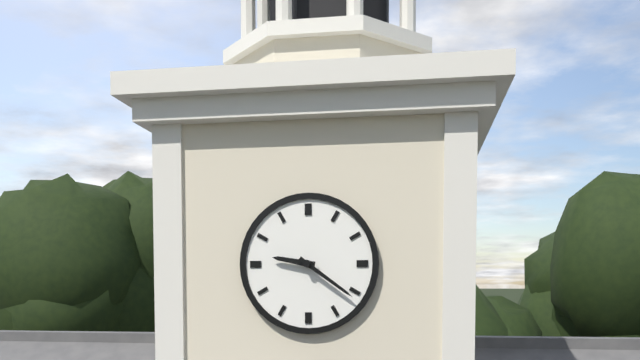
9:21
